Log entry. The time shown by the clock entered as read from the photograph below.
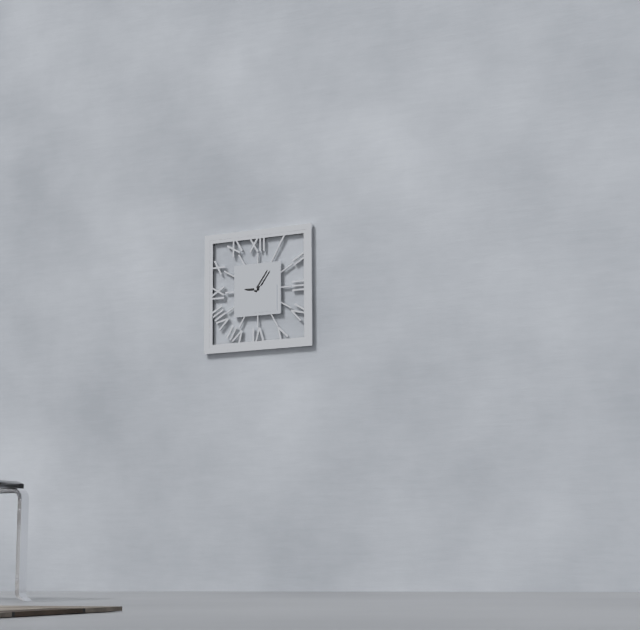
9:06
